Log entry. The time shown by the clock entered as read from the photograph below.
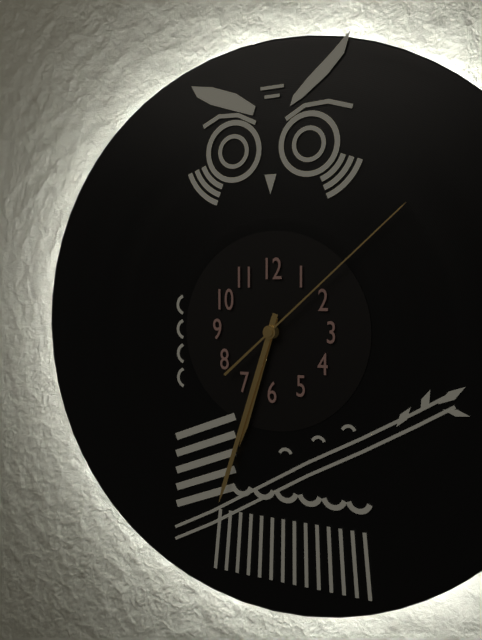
6:33:08
